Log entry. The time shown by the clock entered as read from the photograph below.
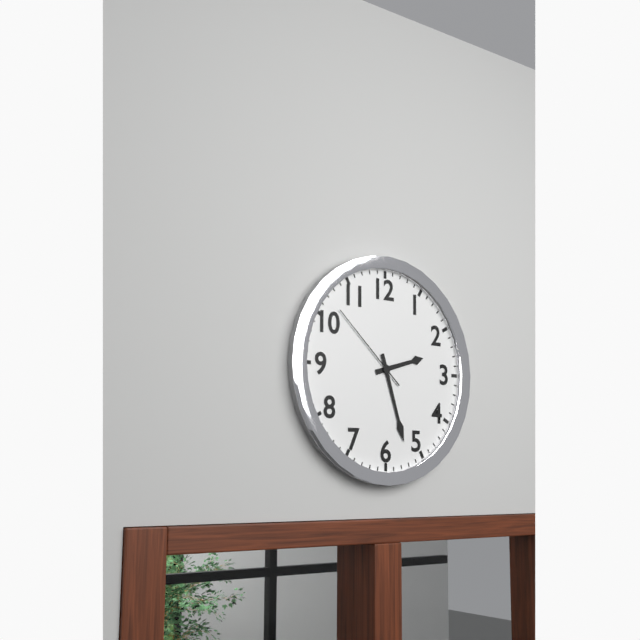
2:27:52
